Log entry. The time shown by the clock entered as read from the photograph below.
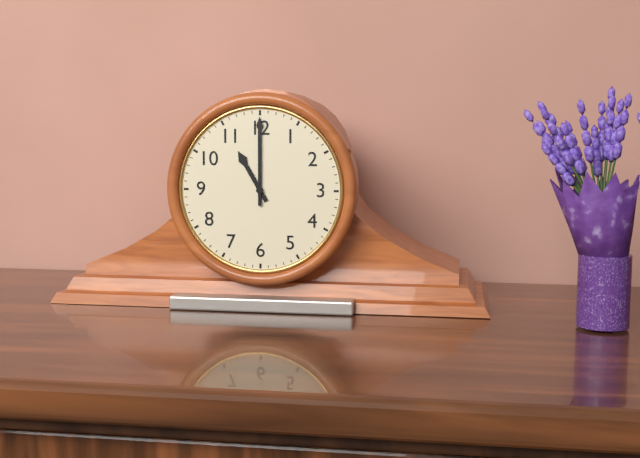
11:00
